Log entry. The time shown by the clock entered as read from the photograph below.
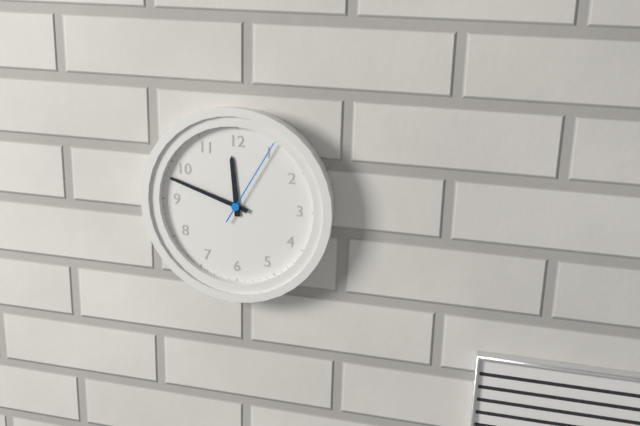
11:48:05
